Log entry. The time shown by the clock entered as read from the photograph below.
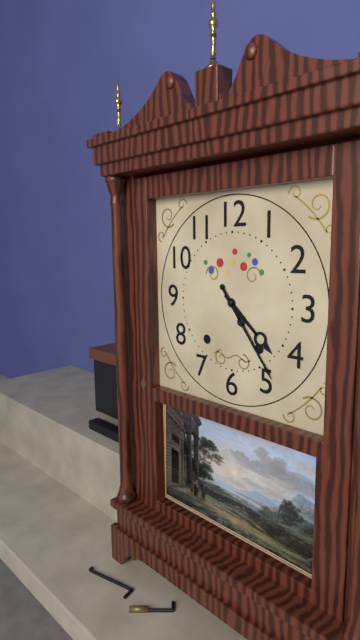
4:24
